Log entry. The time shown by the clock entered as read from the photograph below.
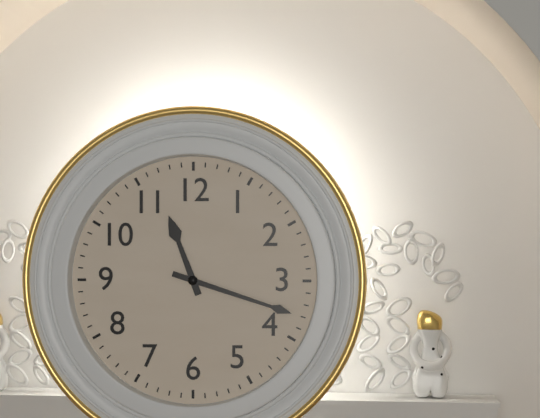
11:18
